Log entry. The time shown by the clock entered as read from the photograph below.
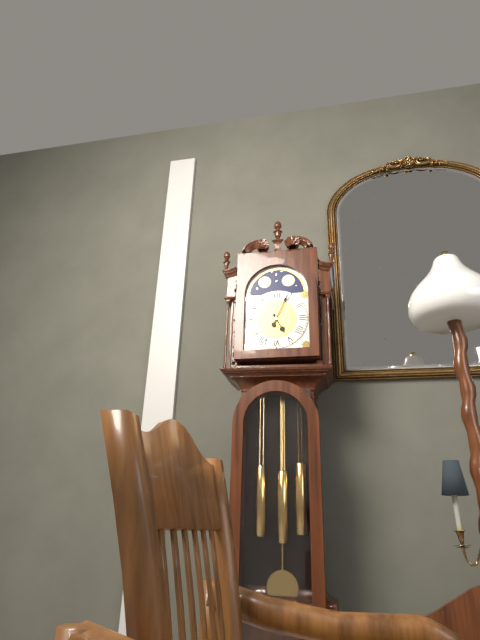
5:04
